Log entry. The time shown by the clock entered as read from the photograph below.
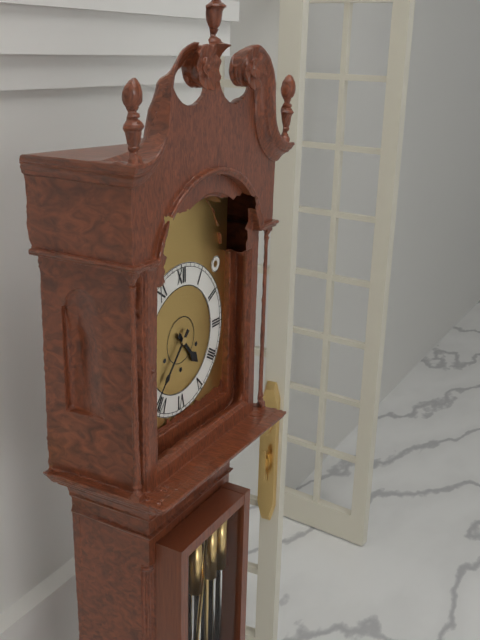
4:37
